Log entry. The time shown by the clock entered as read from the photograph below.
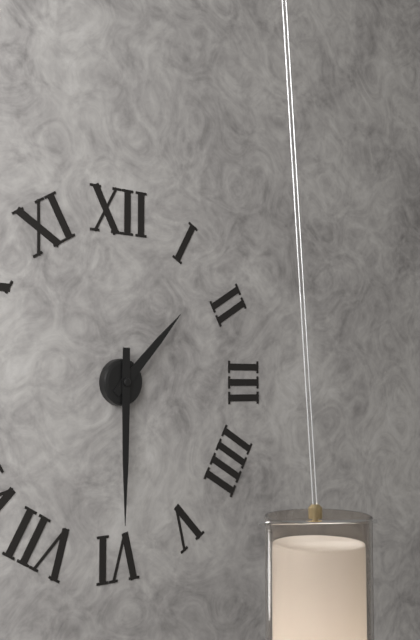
1:30
